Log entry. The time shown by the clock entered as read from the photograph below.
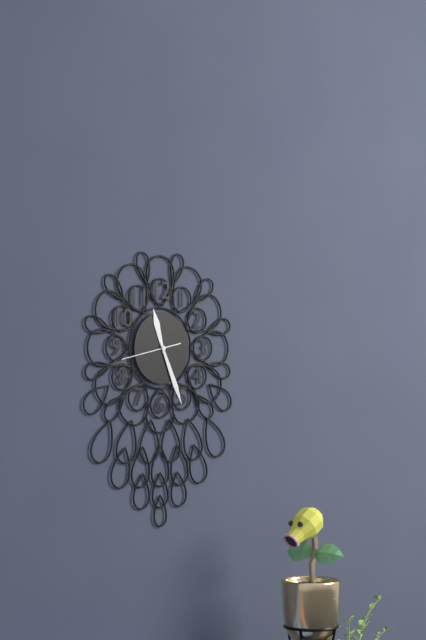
11:26
